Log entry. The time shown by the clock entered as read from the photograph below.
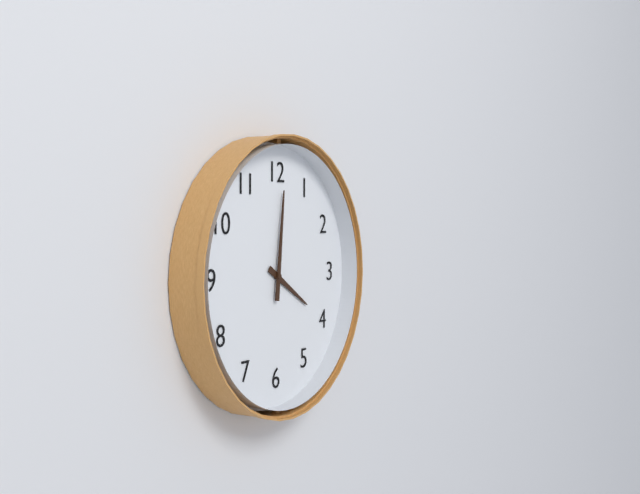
4:01
